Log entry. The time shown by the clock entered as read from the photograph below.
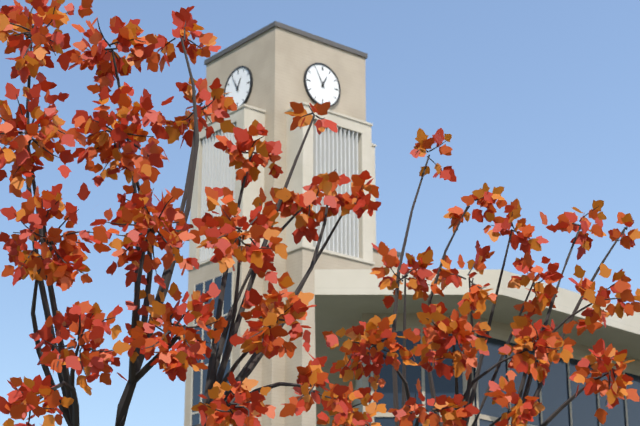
12:55
